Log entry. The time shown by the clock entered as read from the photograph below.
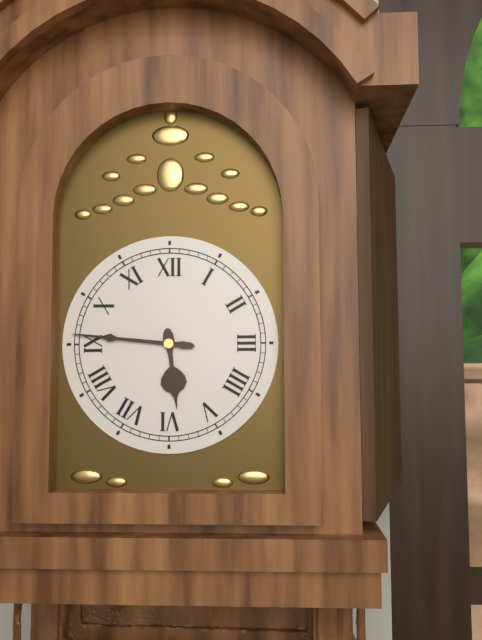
5:46
